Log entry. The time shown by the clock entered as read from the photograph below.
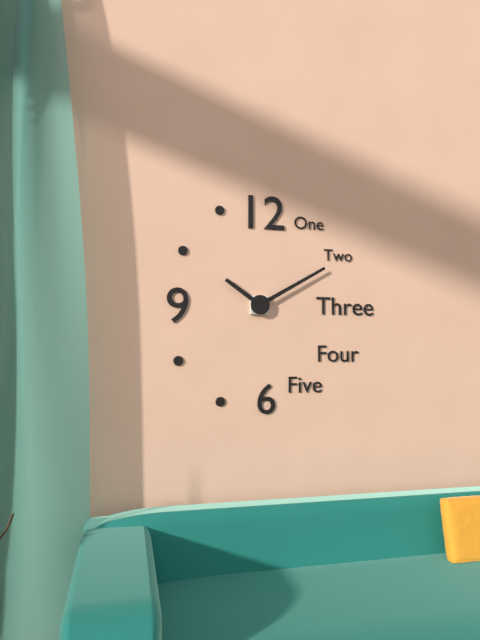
10:10
